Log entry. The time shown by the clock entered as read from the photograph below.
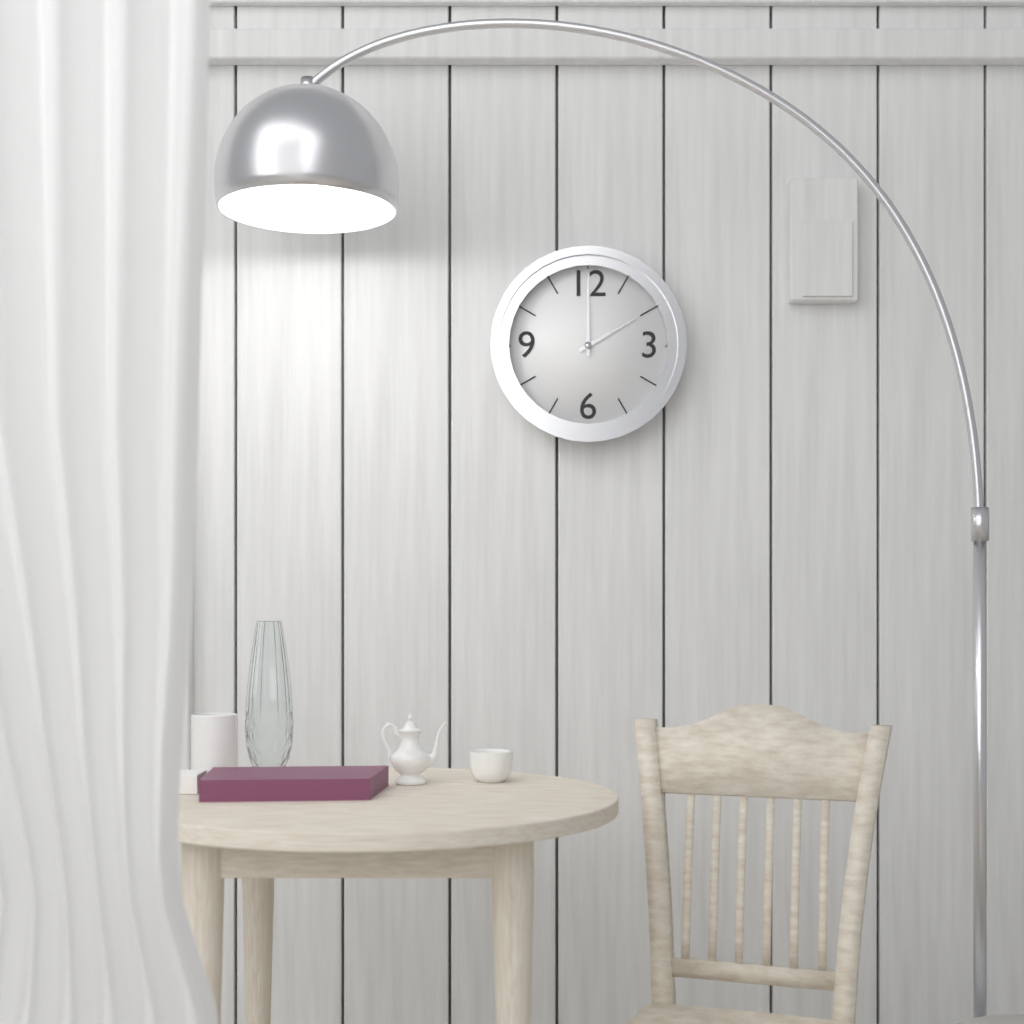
2:00
